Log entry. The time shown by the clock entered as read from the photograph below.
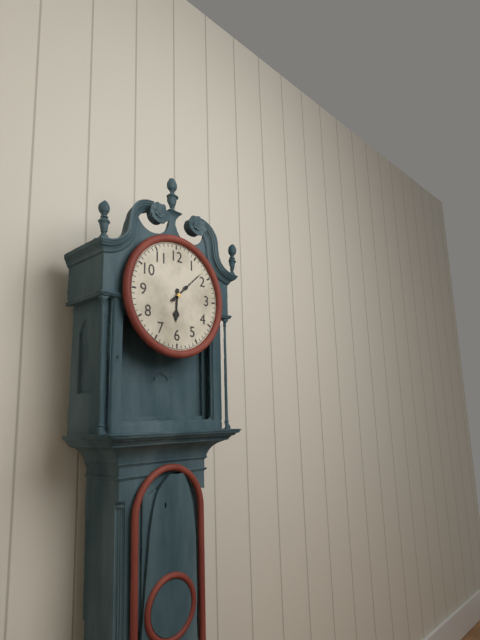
6:08
